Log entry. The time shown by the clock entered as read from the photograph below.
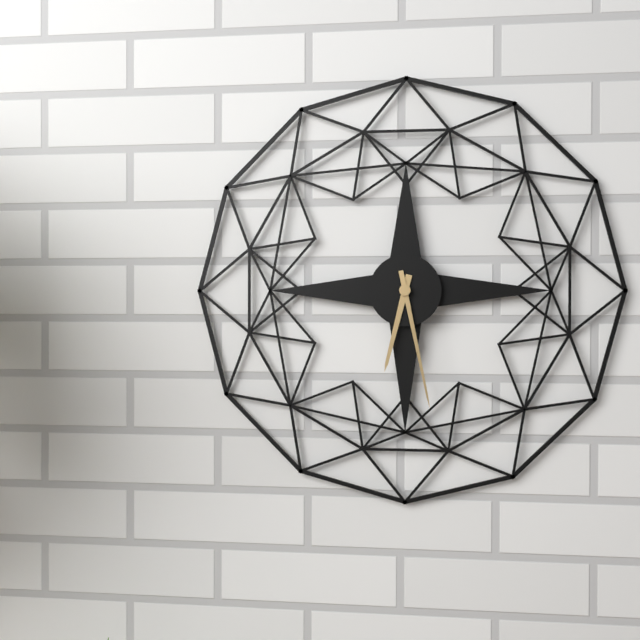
6:28
